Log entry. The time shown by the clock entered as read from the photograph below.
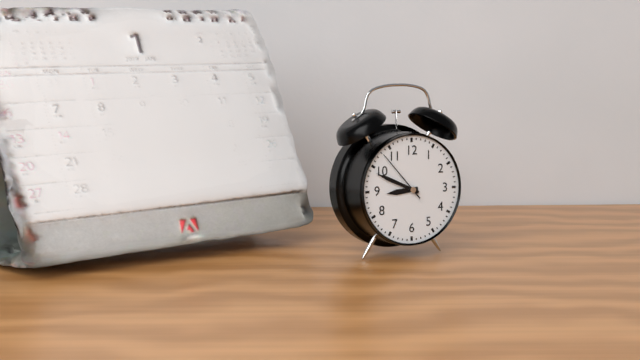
8:49:53
